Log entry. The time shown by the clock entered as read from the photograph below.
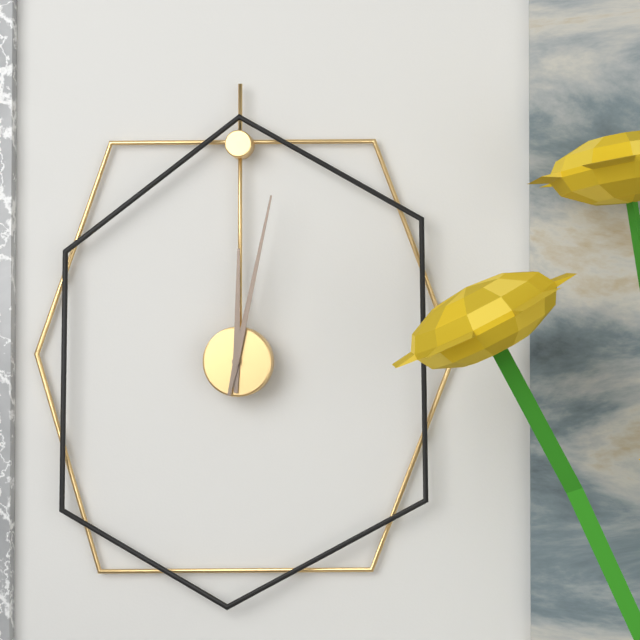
12:02
